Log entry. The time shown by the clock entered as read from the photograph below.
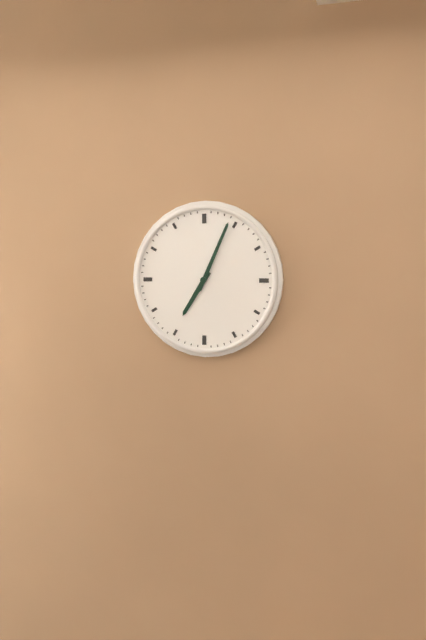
7:04
